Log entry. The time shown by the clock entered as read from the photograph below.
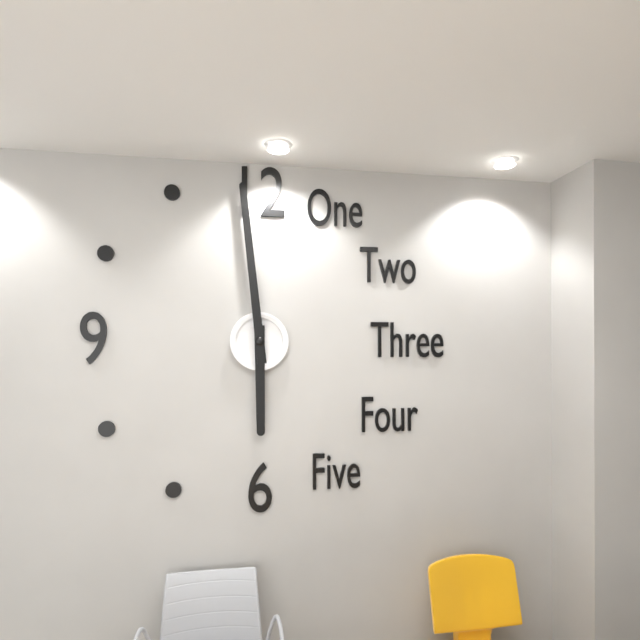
5:59
